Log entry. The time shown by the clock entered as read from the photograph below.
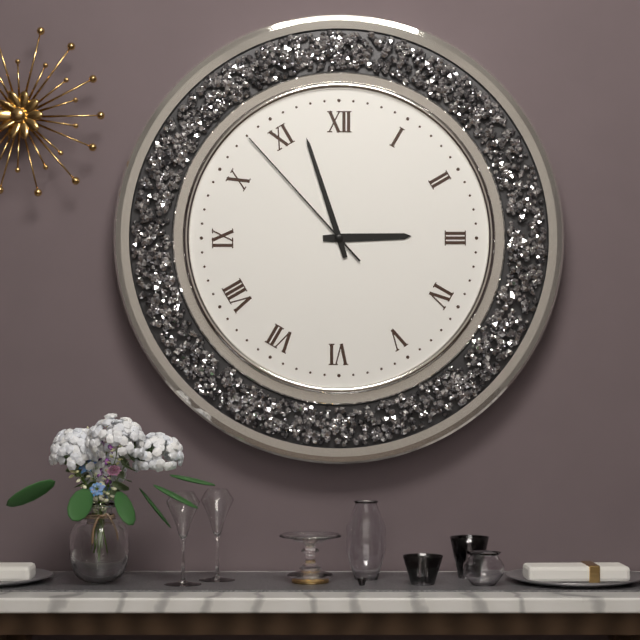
2:57:53
